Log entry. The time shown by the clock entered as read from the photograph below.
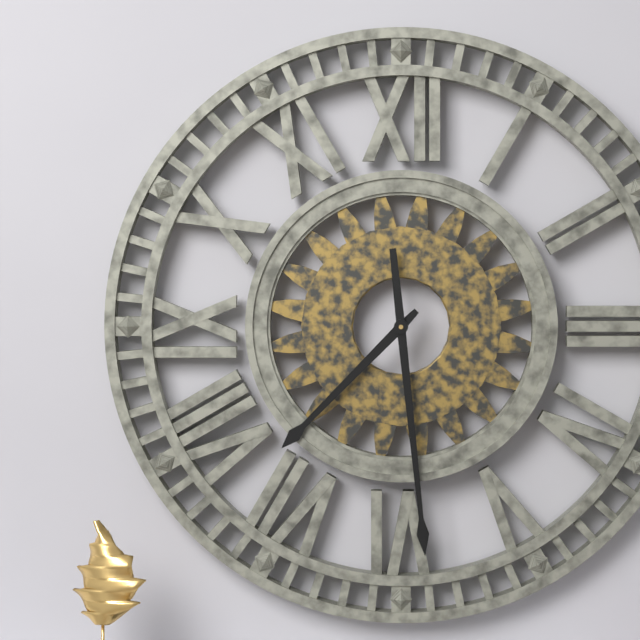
7:29
